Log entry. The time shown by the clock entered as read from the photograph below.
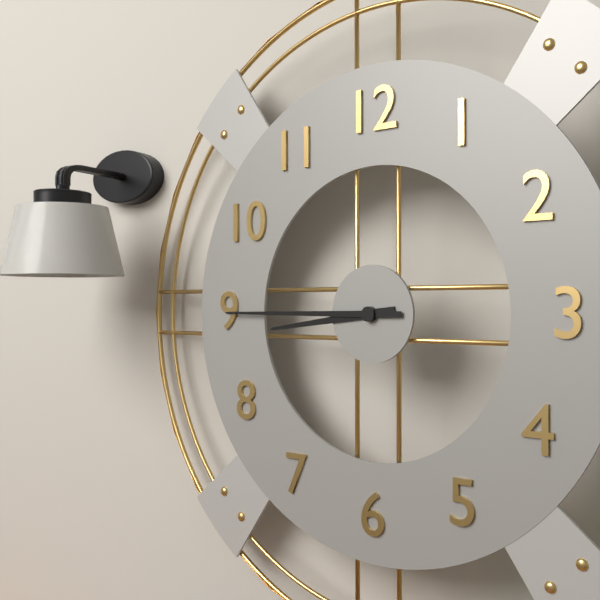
8:45
